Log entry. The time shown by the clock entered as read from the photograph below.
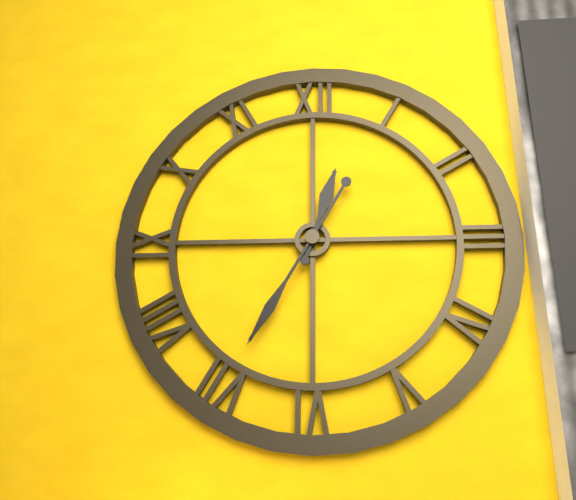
12:35
